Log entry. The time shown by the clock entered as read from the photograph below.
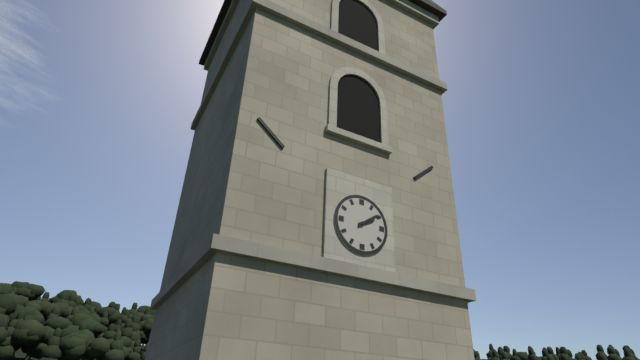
2:09
